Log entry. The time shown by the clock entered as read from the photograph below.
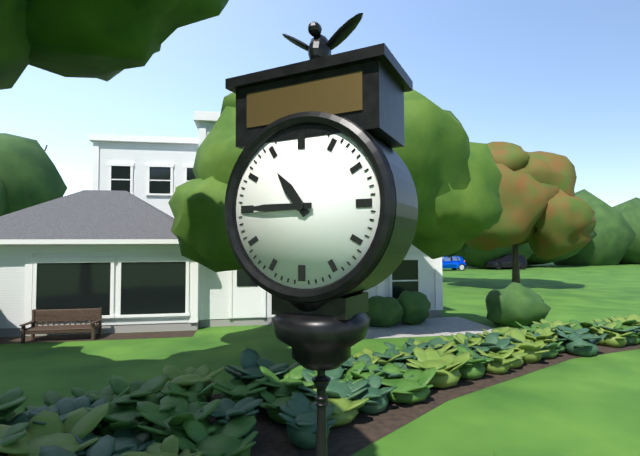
10:45
